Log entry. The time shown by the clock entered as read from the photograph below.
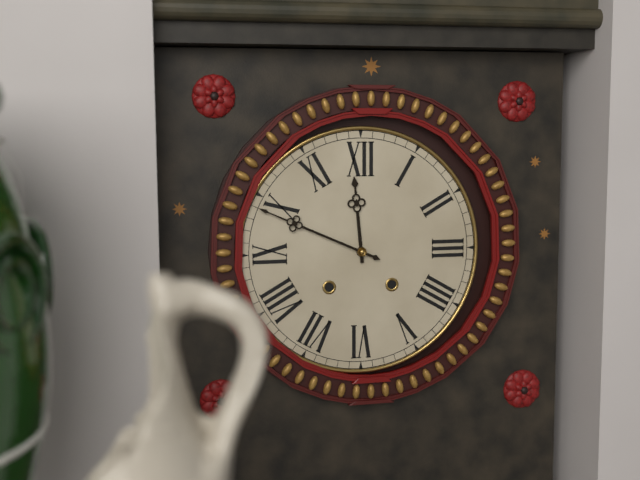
11:49
